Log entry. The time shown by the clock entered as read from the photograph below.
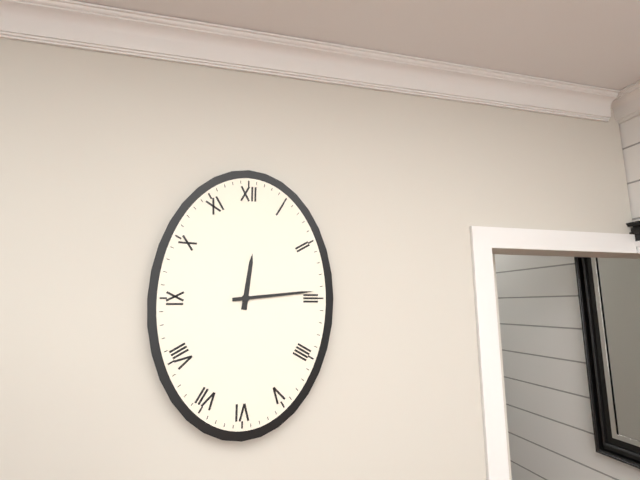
12:14
